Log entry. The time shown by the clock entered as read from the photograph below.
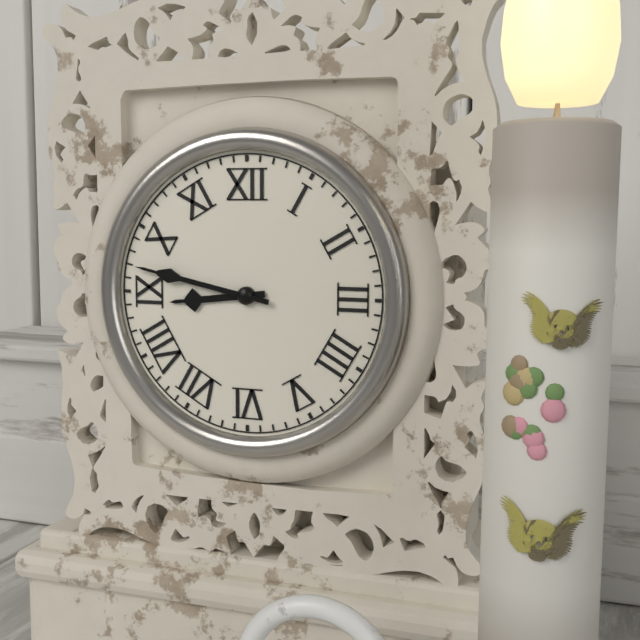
8:47
